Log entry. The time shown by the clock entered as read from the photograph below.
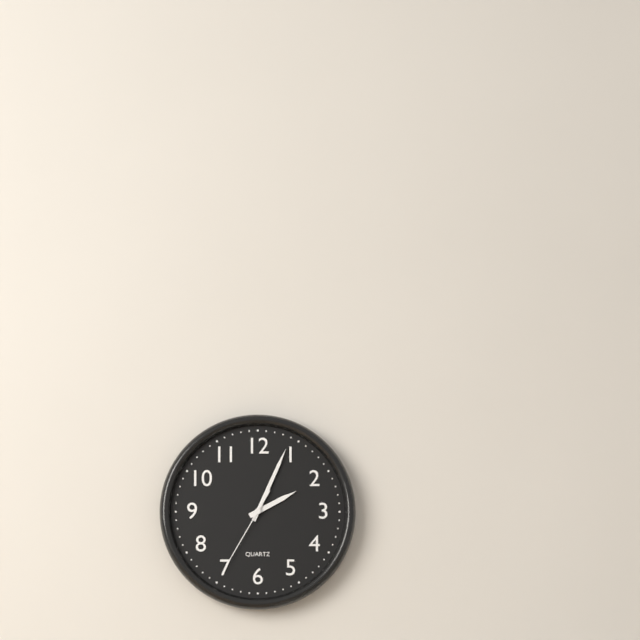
2:04:35
